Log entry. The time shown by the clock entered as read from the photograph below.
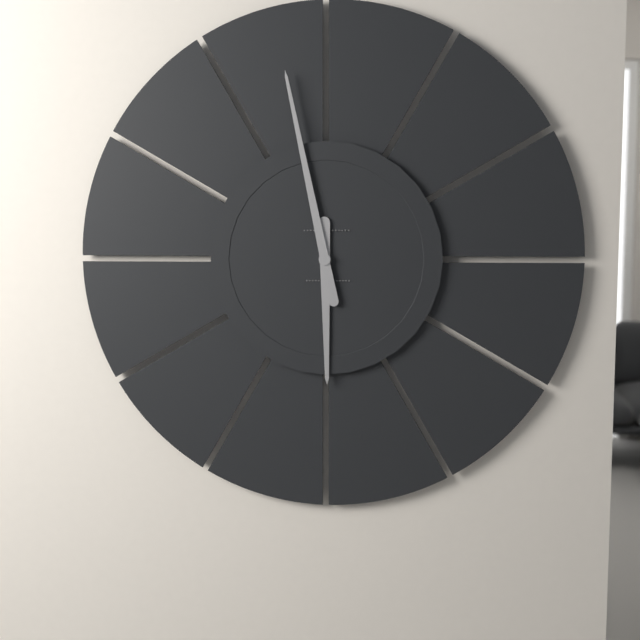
5:58
